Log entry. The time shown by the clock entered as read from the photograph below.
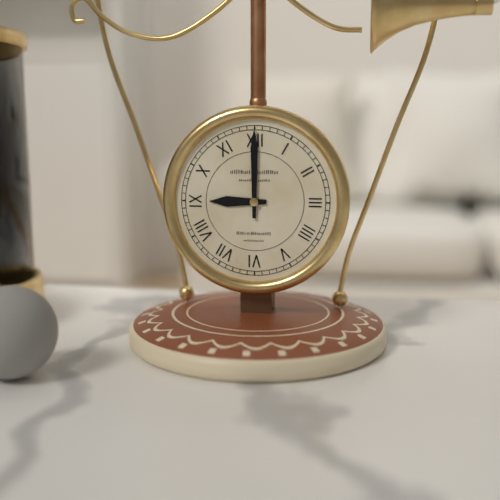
9:00
